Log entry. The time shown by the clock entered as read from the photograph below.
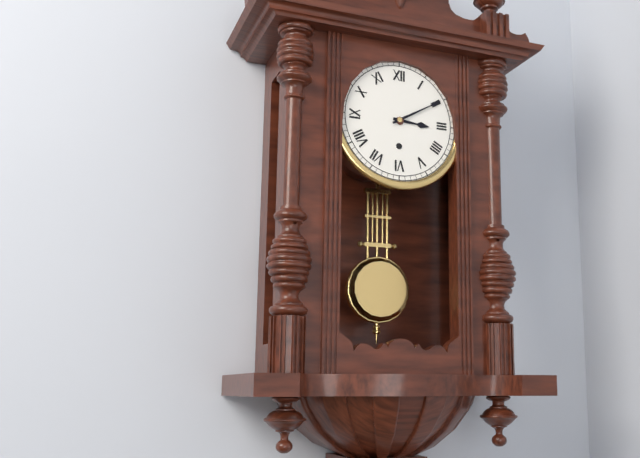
3:10
